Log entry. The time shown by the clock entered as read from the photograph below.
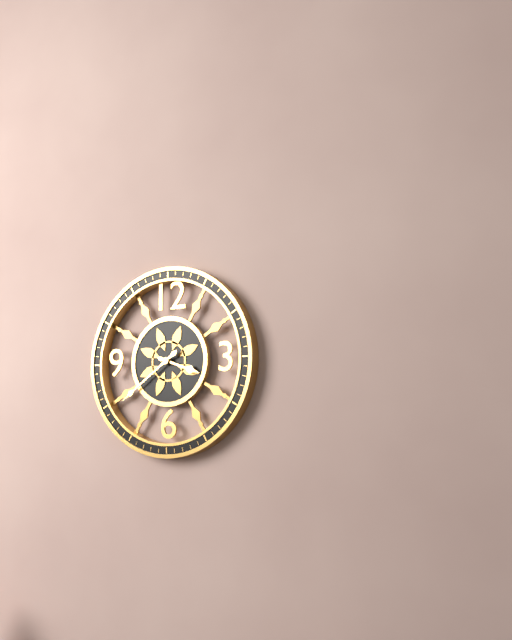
3:39
